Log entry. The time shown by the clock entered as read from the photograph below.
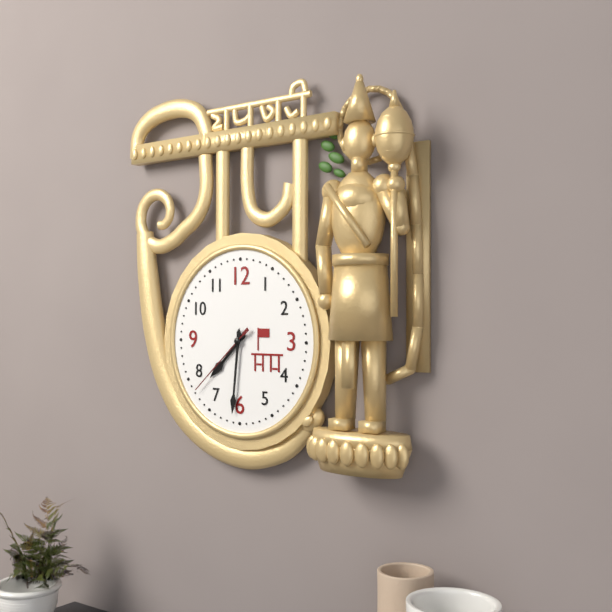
7:31:38
